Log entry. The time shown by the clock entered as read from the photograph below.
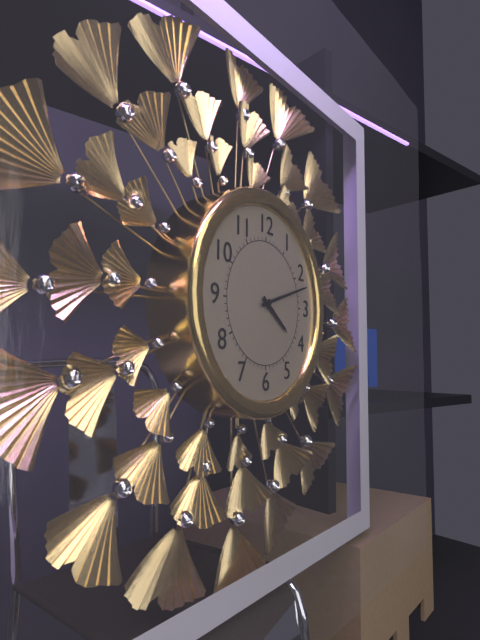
4:12
